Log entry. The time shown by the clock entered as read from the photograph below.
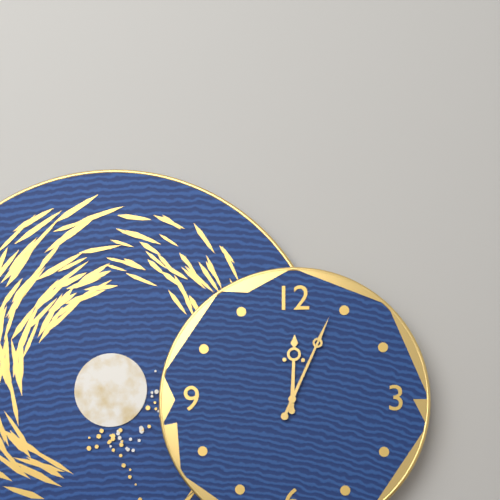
12:04
